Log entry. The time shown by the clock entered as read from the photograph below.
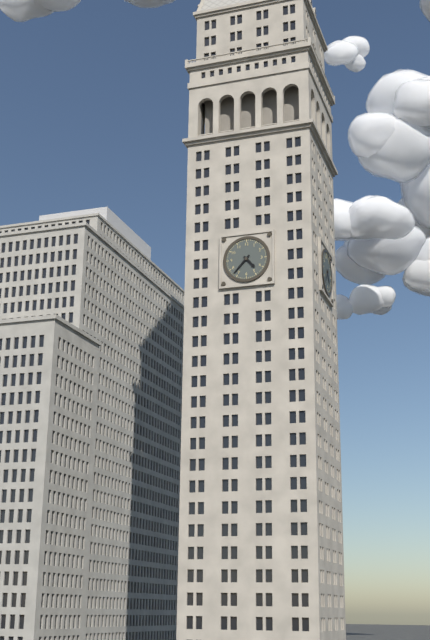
4:37
